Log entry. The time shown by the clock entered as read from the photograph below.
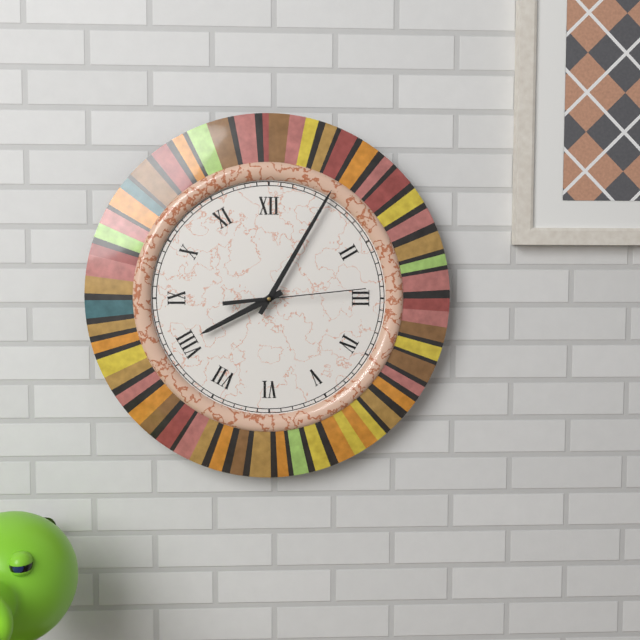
8:05:14
